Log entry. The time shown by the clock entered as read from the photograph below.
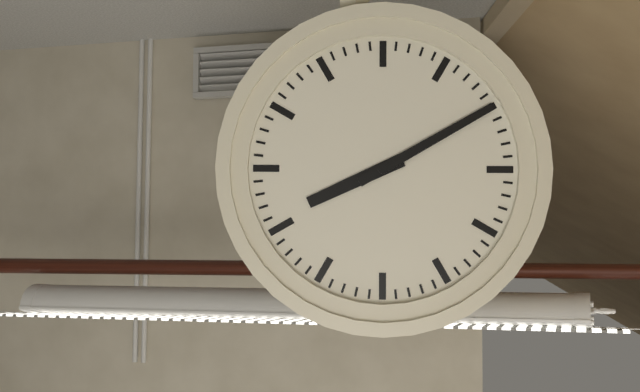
8:10
